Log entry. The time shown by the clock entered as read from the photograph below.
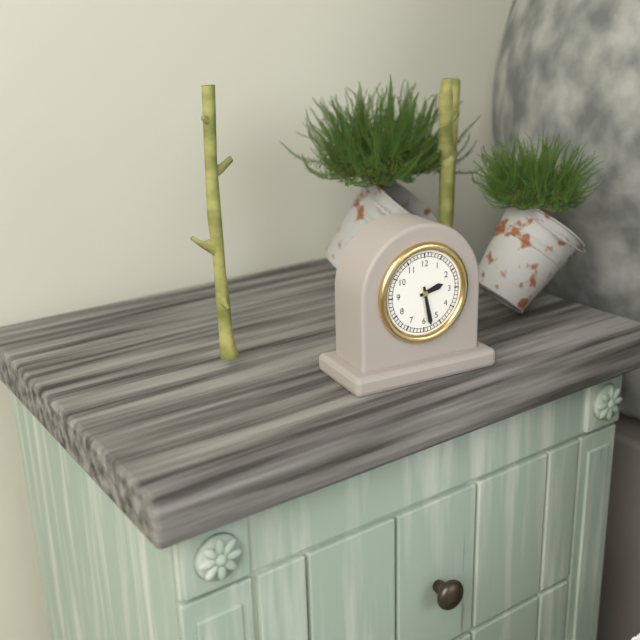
2:28
